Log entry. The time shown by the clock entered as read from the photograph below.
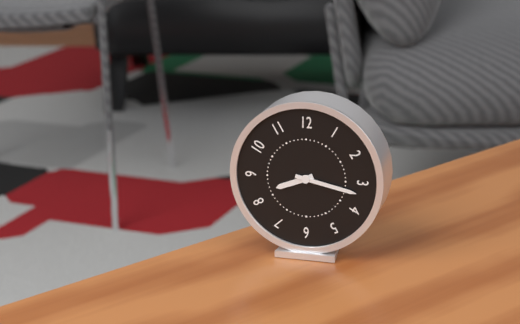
8:17
